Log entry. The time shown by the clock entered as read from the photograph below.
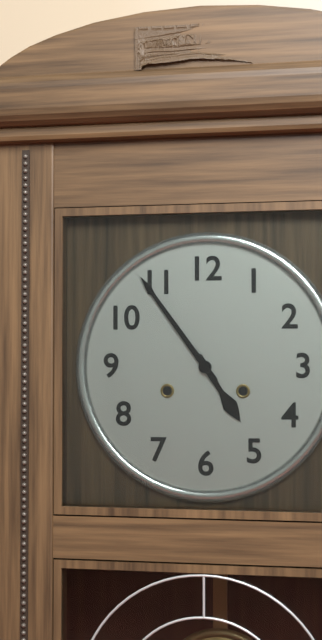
4:54
